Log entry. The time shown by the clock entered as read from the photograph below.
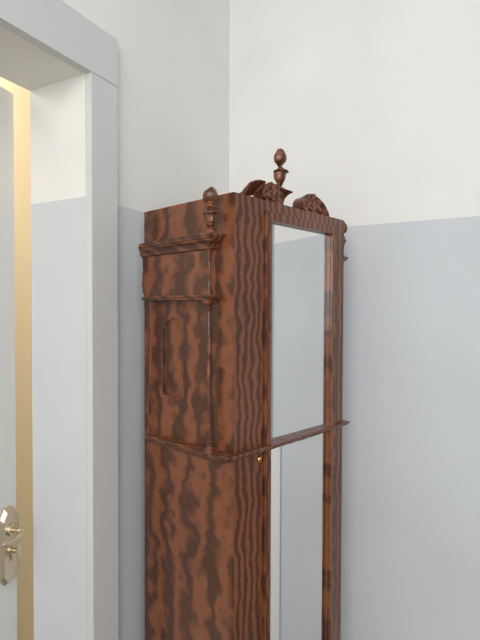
7:38
